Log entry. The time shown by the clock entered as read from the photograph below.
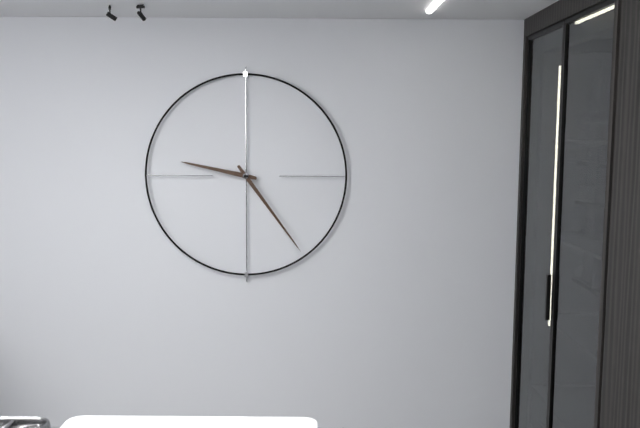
9:24
